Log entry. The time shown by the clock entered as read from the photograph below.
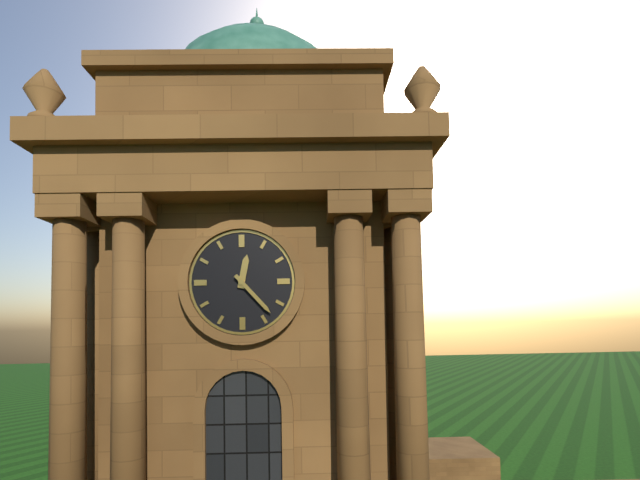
12:23
